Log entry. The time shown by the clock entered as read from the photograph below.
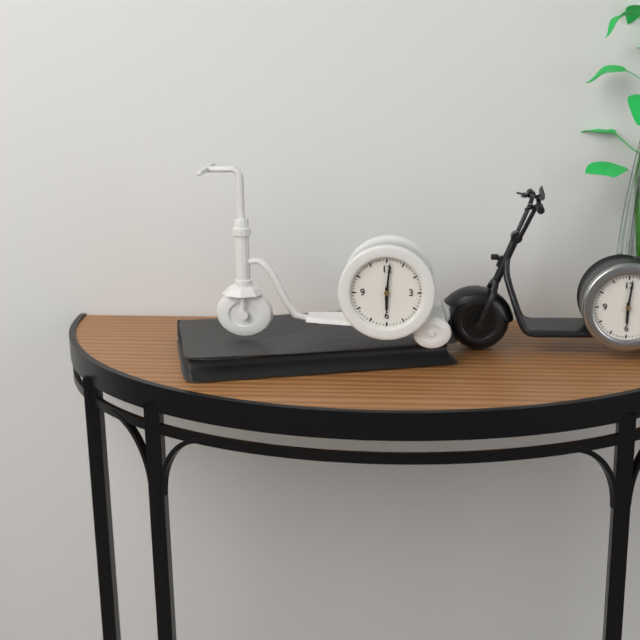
6:01
